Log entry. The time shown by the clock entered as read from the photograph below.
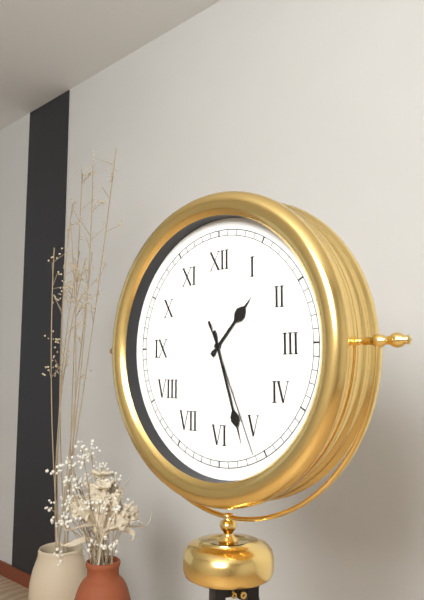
1:27:26
